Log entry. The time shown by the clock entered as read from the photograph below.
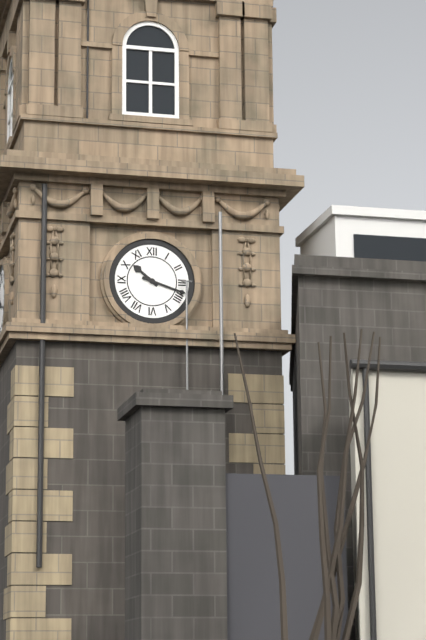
10:18
